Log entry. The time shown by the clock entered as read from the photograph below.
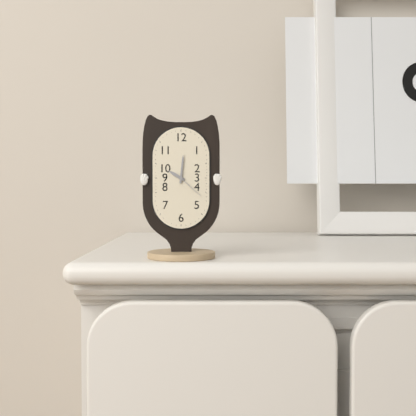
10:01
